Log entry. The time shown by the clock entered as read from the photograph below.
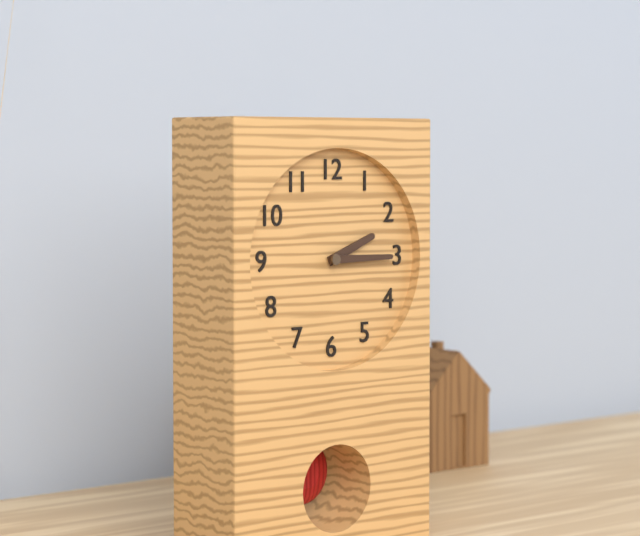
2:15
